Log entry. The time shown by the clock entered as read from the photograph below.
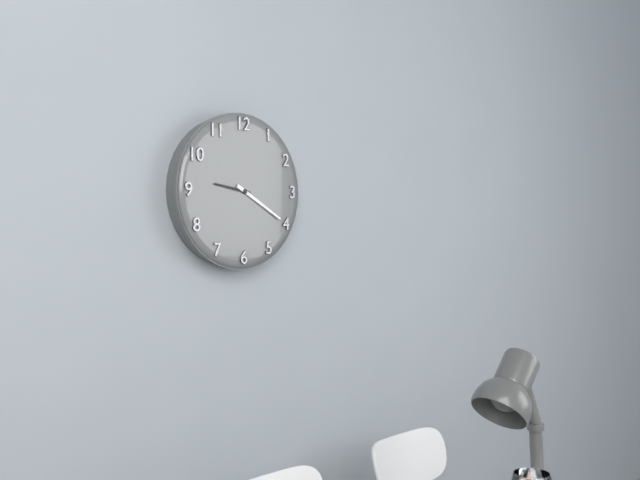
9:20
